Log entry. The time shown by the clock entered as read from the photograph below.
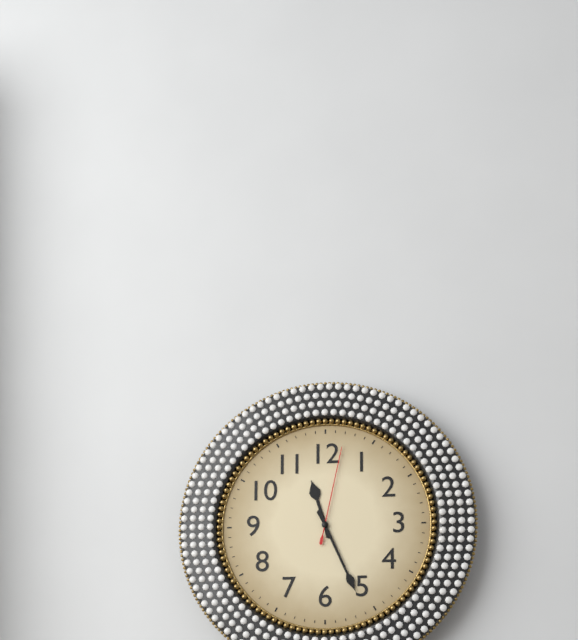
11:26:02
